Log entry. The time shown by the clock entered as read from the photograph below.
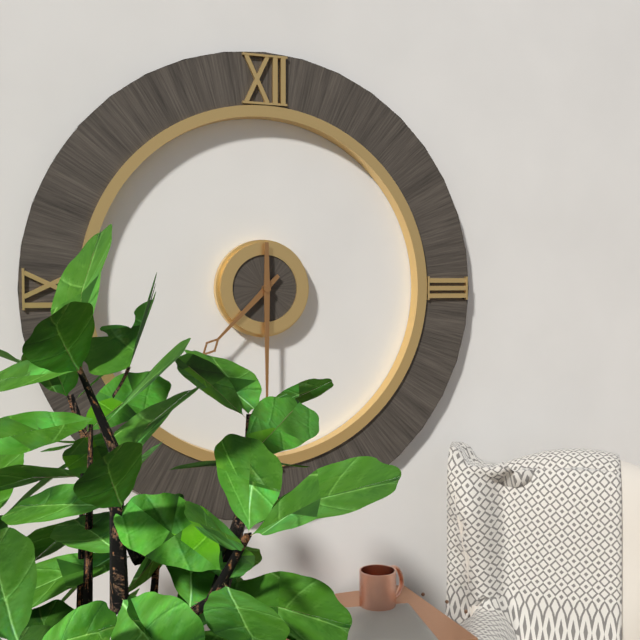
7:30
